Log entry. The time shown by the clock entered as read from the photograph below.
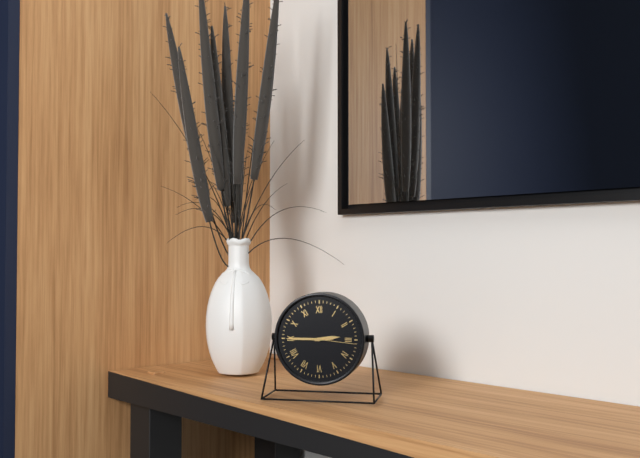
2:45
